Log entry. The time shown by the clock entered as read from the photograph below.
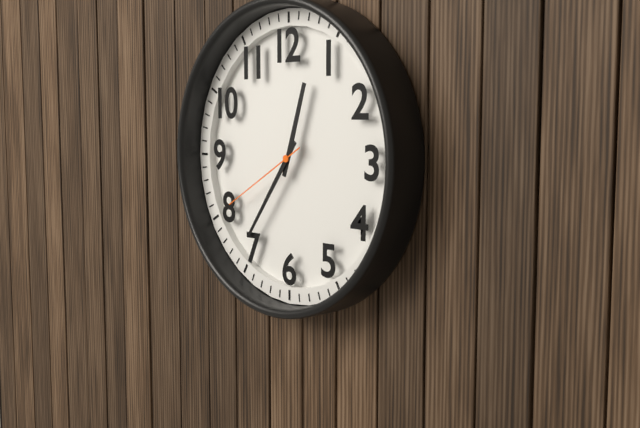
12:36:40
